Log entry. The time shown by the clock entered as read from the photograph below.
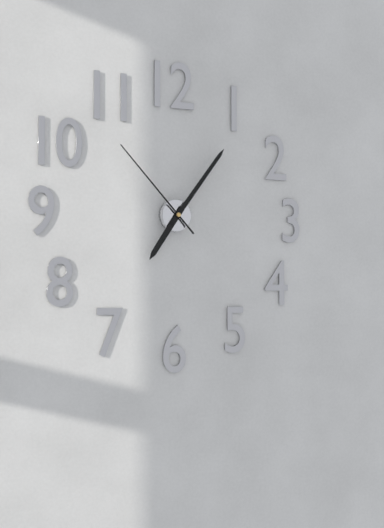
7:06:53
